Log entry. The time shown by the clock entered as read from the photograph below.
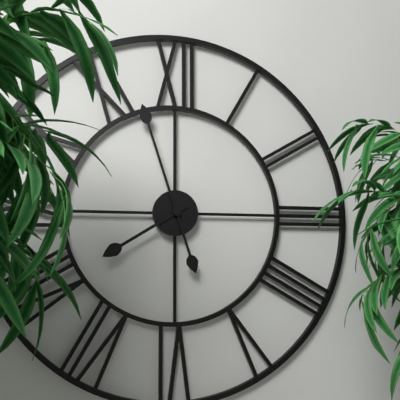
7:57
